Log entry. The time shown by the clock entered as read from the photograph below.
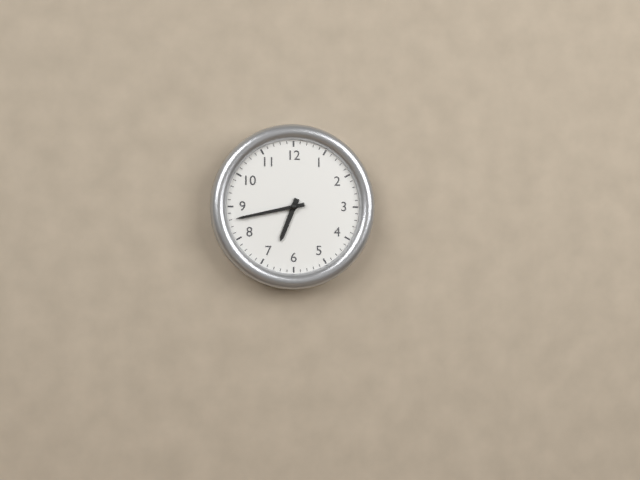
6:43
